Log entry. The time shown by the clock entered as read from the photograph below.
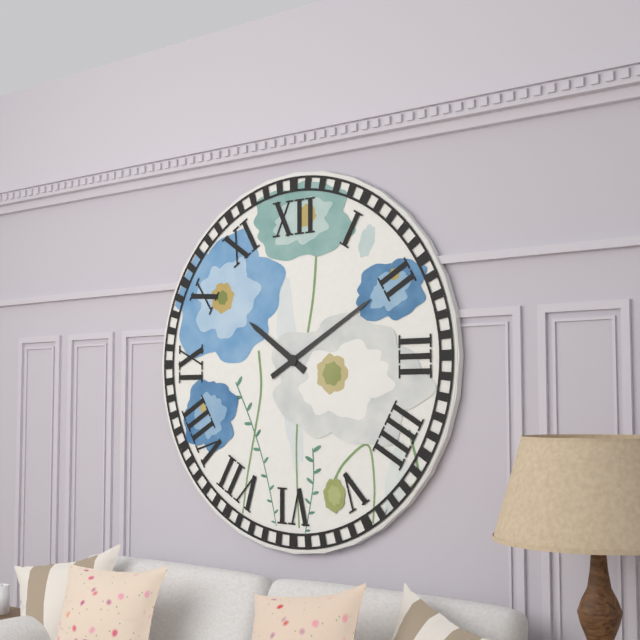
10:10
